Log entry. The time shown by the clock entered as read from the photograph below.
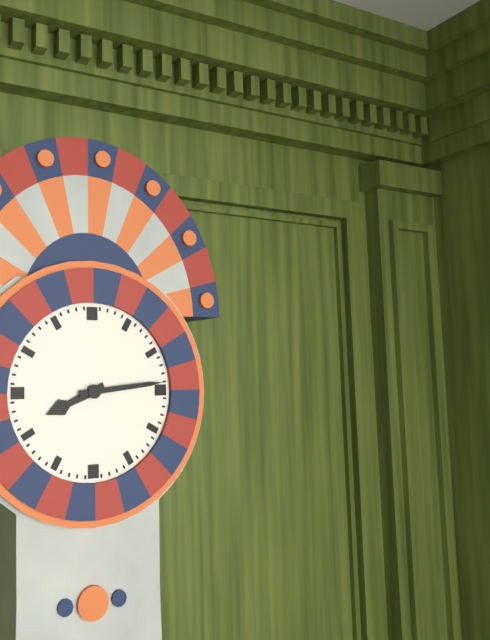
8:14
